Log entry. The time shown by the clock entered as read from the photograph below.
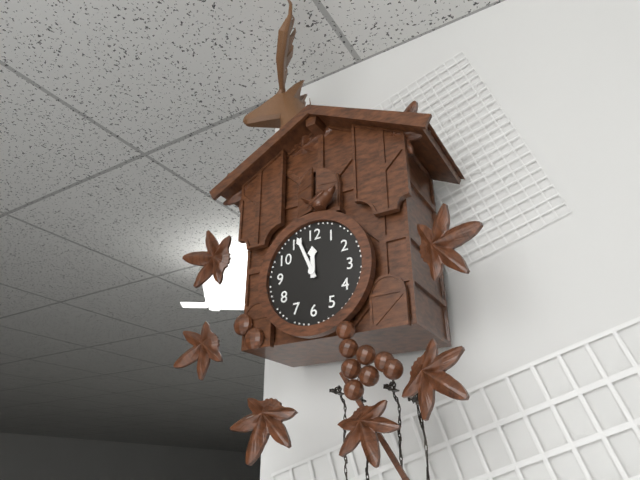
11:56
